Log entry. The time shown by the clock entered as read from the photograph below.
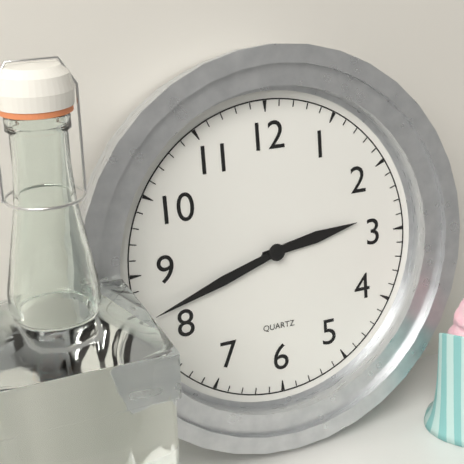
2:42
